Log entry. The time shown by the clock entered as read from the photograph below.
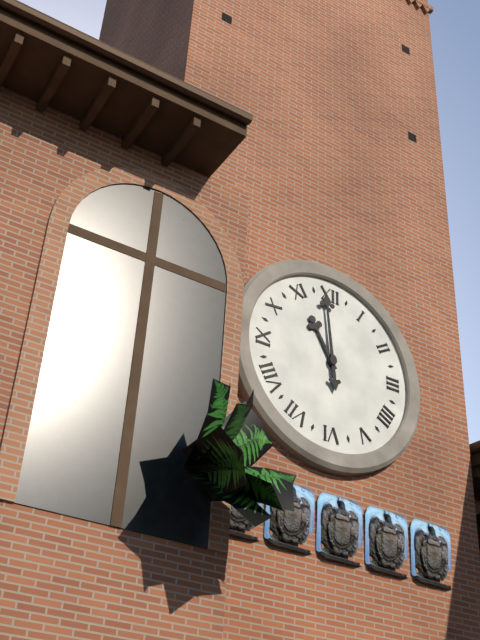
10:59
